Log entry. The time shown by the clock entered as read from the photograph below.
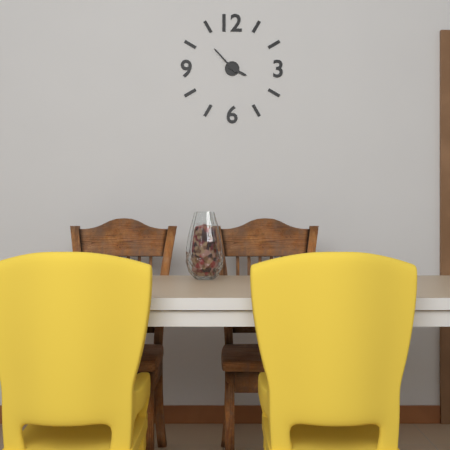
3:53
